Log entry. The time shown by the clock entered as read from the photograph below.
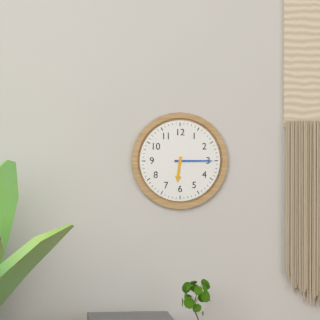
6:15
